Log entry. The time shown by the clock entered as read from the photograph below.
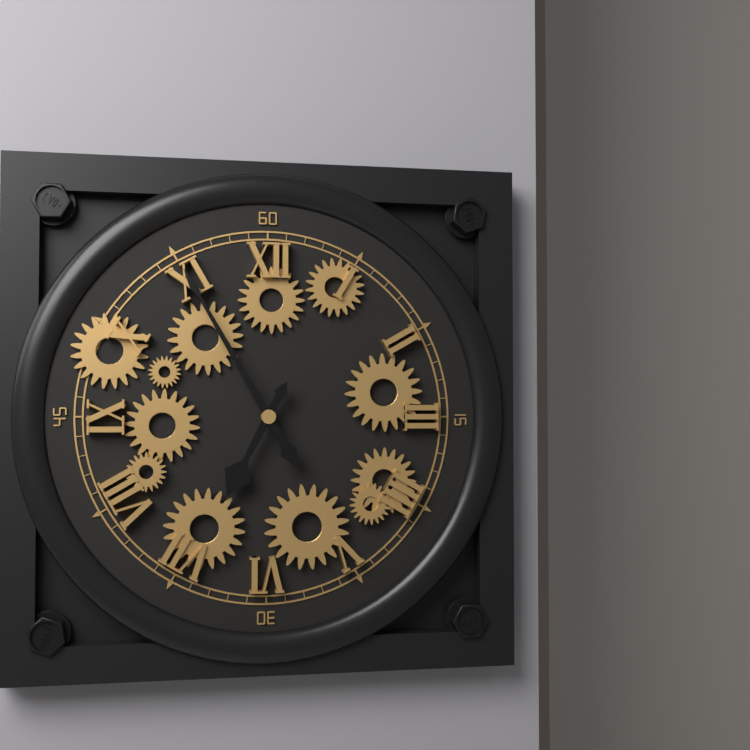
6:55
